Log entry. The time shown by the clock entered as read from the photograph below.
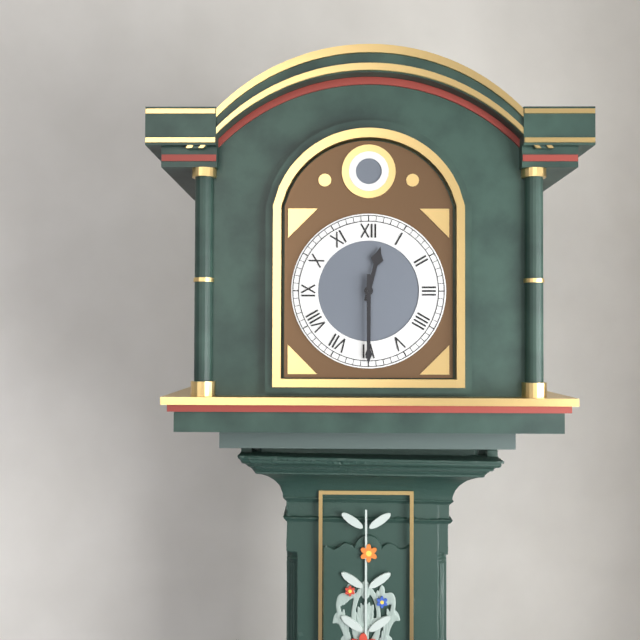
12:30
